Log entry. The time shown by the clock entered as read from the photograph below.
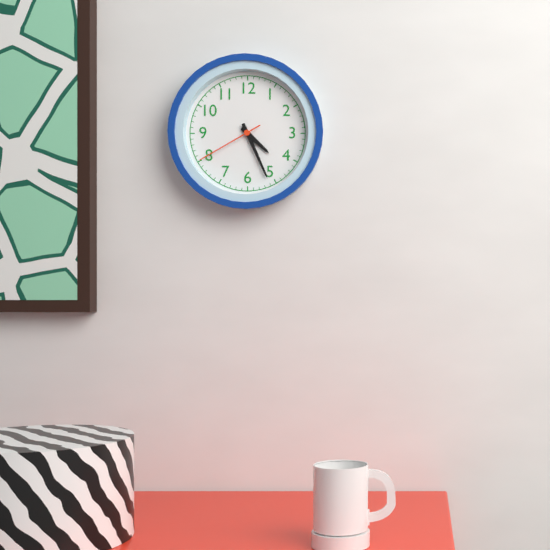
4:26:40
